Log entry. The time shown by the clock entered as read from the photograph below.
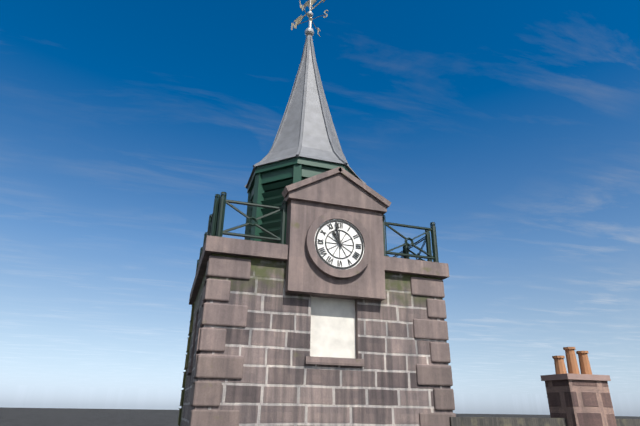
10:58
